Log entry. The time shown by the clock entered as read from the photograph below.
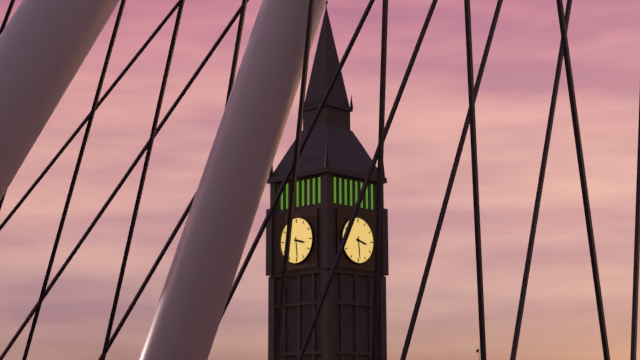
3:29
